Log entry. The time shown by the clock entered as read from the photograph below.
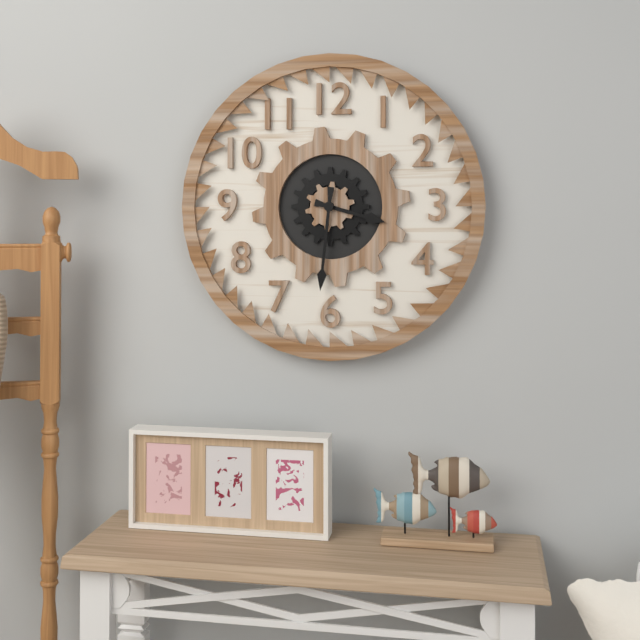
3:31
